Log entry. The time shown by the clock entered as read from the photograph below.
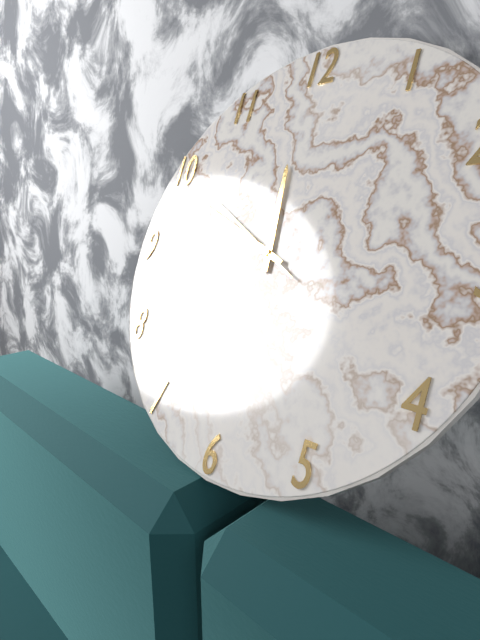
11:49:50
